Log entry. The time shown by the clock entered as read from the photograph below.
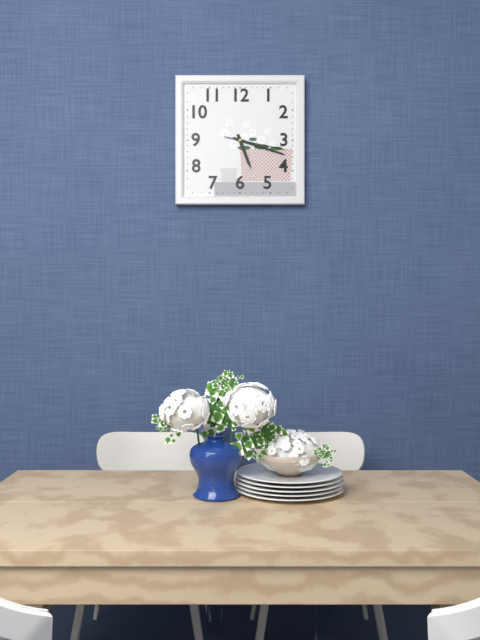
5:18:17
